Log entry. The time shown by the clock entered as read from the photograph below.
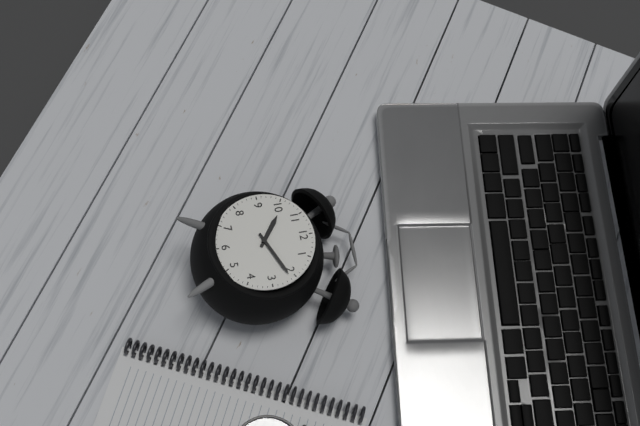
10:11
